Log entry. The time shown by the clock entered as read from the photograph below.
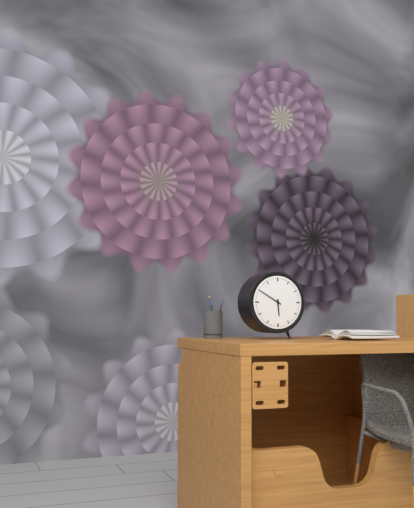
5:50
